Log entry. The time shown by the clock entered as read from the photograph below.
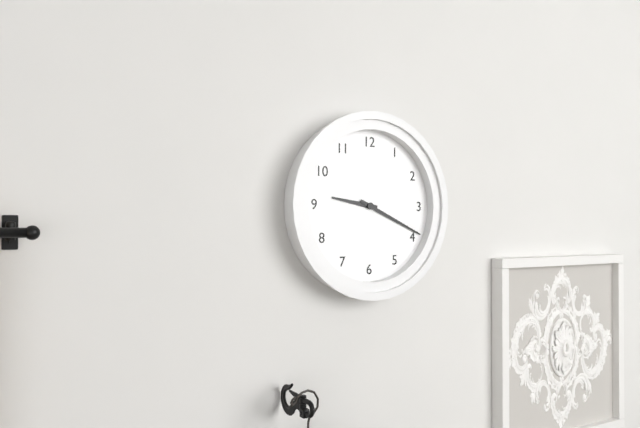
9:19
